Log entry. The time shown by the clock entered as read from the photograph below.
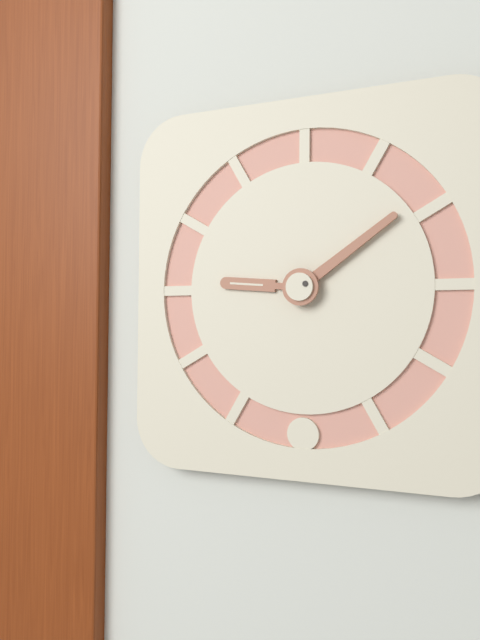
9:09
